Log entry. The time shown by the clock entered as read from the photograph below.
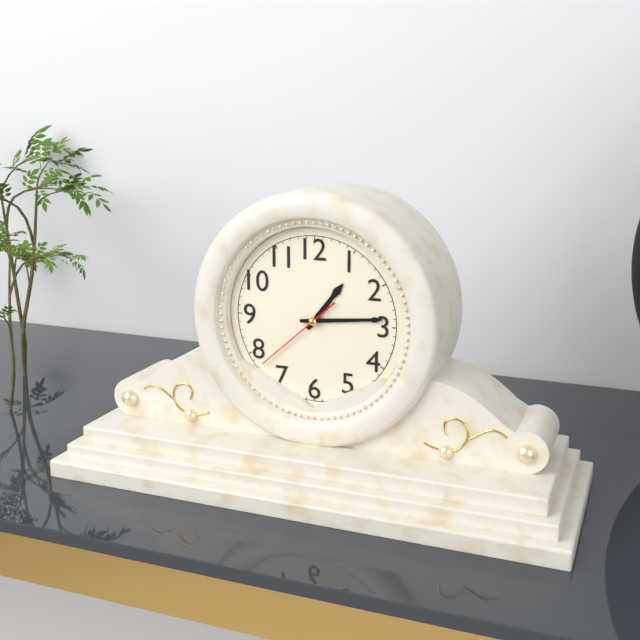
1:14:38
